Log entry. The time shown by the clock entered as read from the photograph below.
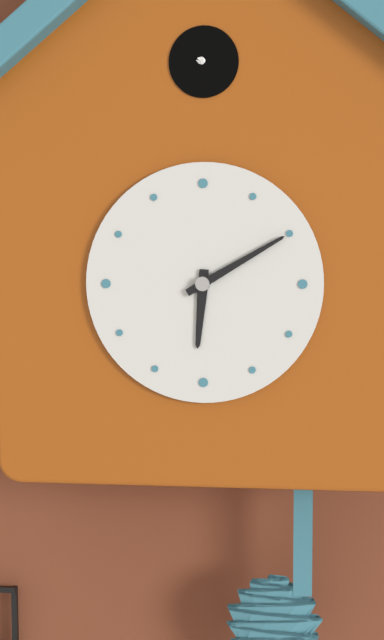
6:10
